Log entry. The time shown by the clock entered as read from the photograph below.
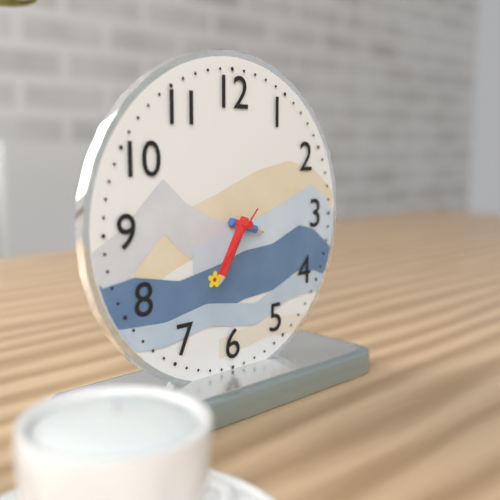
3:35:37
